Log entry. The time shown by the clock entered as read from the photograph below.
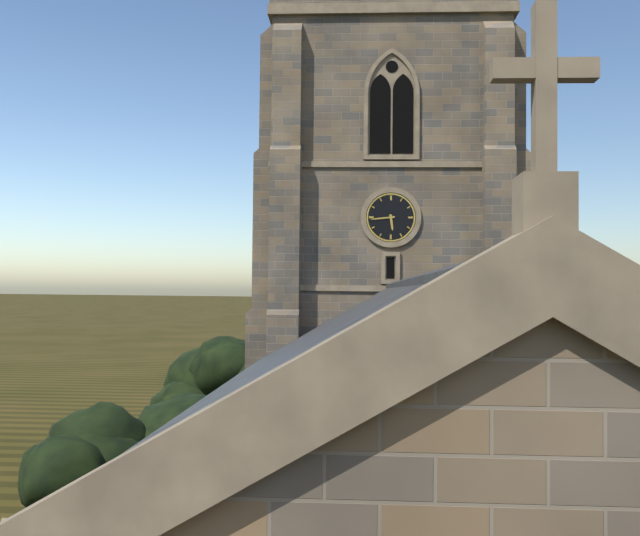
5:44
